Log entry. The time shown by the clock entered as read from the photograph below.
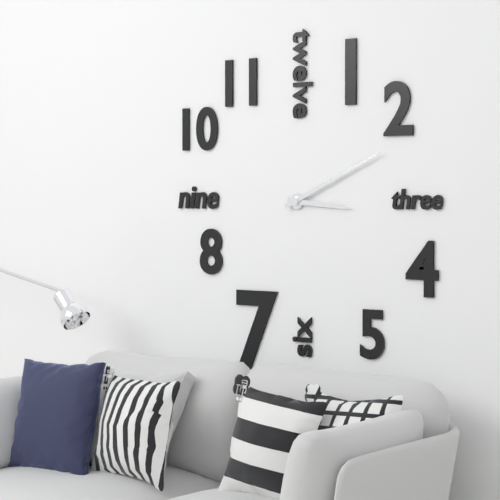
3:11
